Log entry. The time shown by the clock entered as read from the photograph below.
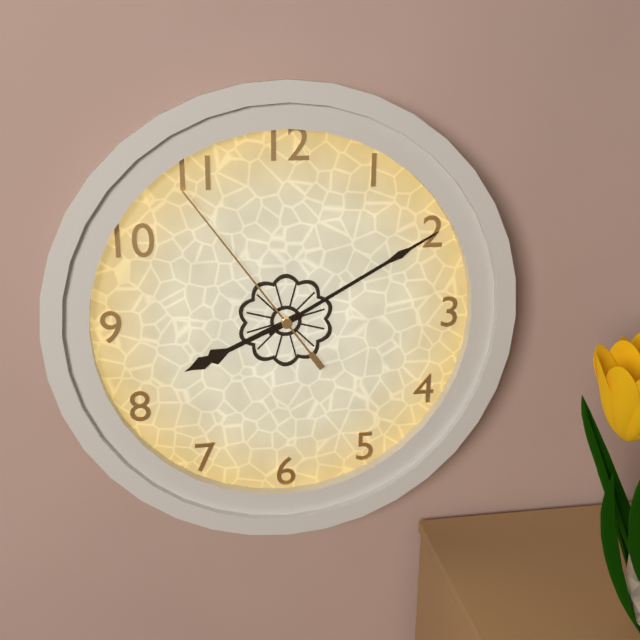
8:10:54
